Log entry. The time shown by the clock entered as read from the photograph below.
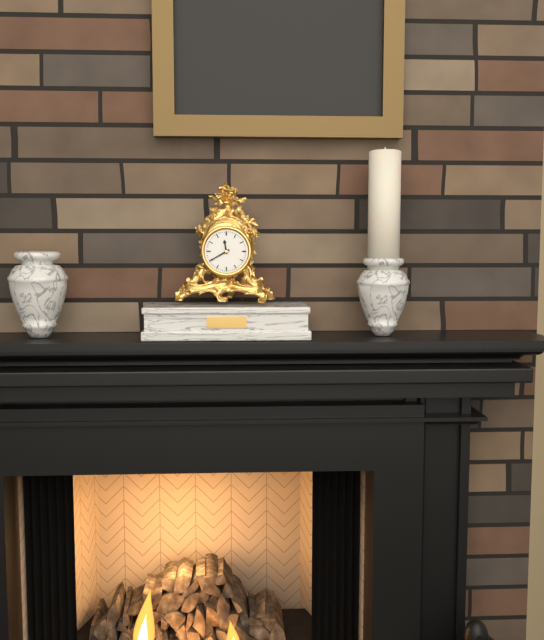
11:40
